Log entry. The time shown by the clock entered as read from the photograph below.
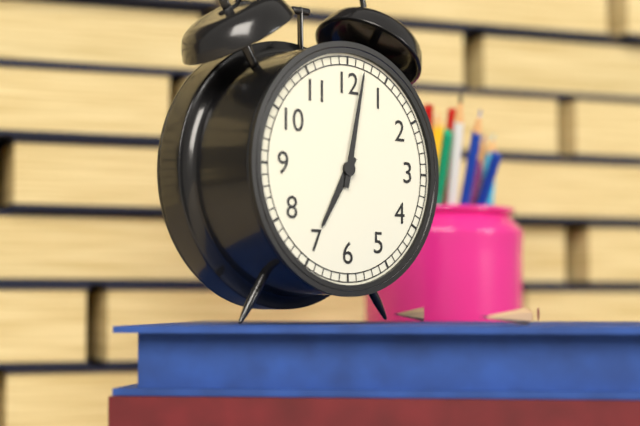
7:02
